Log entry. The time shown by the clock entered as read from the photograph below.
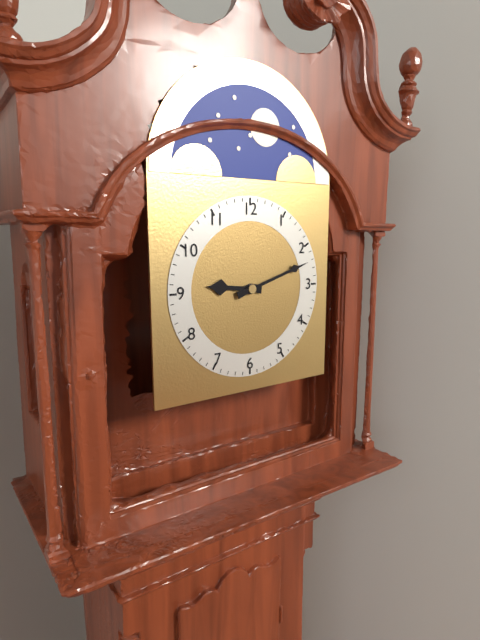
9:12
